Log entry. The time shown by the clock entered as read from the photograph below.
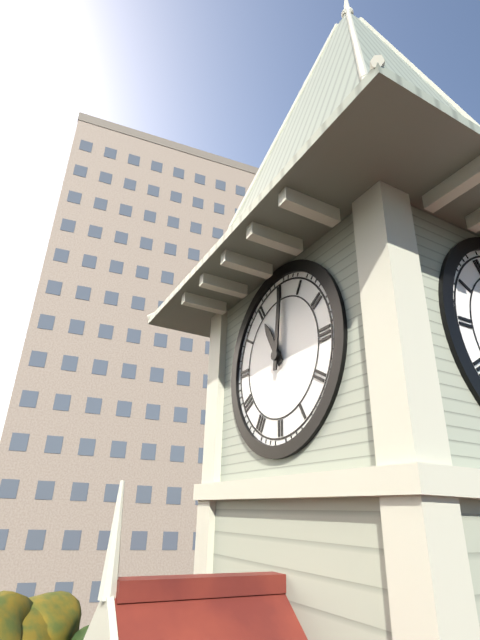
11:01
